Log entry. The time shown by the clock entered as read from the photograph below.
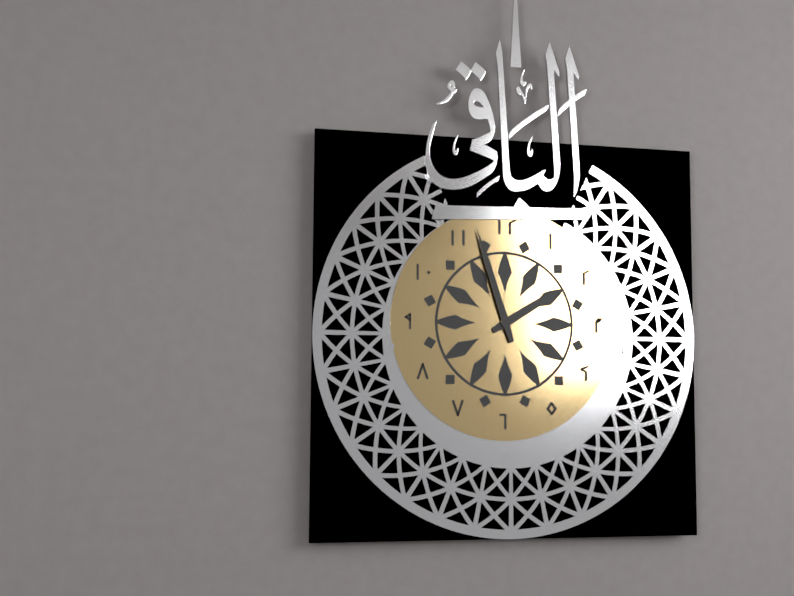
1:57
